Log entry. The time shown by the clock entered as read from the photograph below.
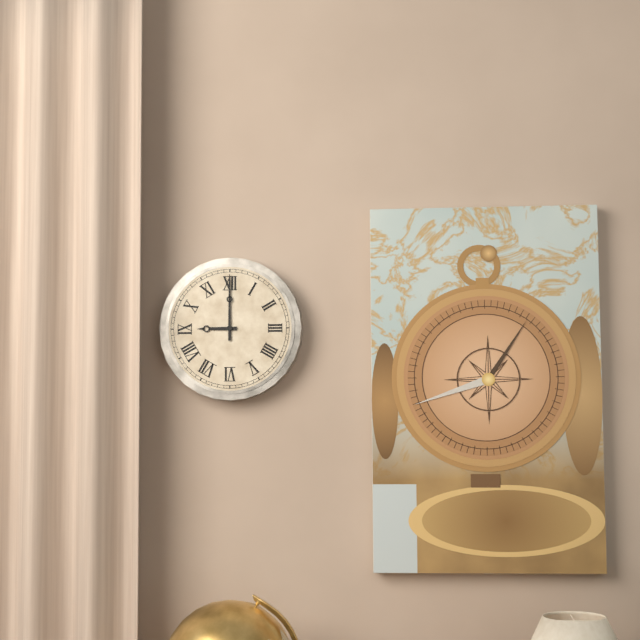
9:00
